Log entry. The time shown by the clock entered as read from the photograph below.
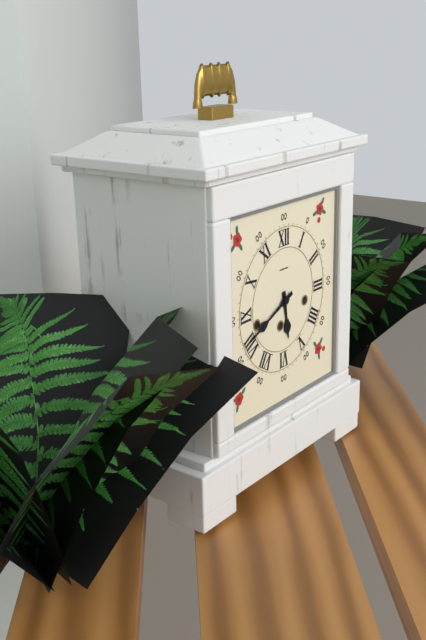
5:41
